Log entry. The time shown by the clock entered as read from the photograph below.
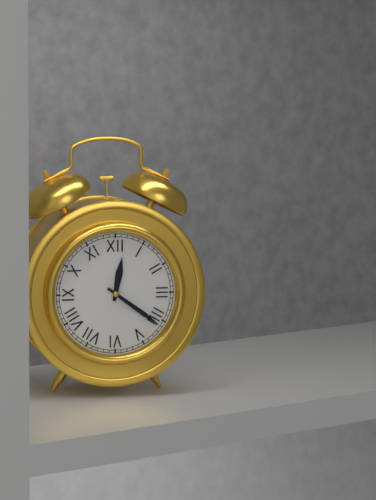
12:21
